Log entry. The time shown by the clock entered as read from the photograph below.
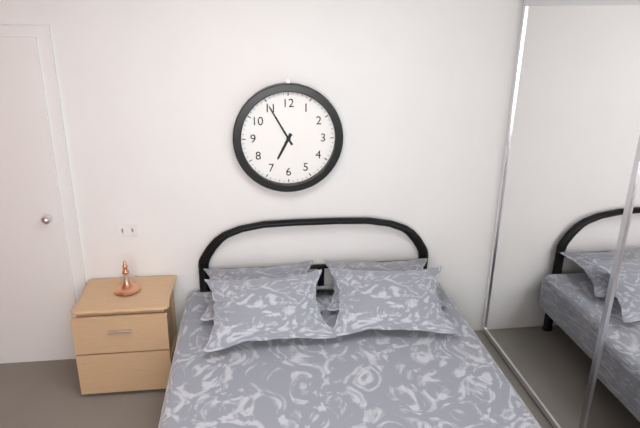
6:55
